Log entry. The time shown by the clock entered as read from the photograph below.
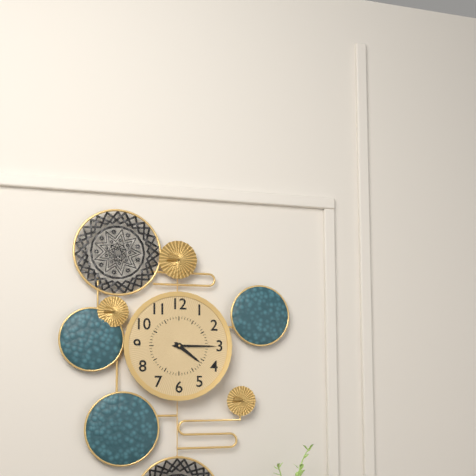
4:15
